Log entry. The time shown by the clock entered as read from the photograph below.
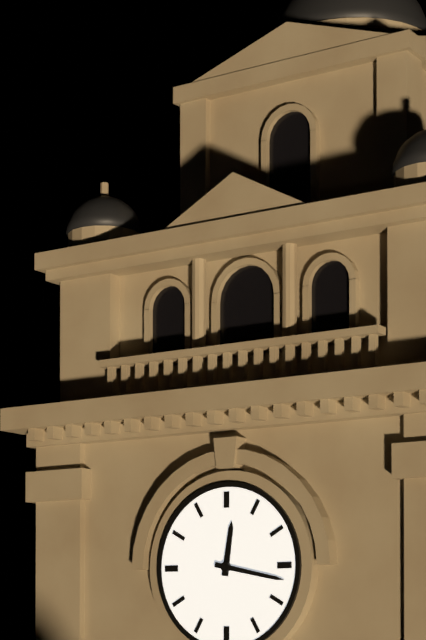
12:17
